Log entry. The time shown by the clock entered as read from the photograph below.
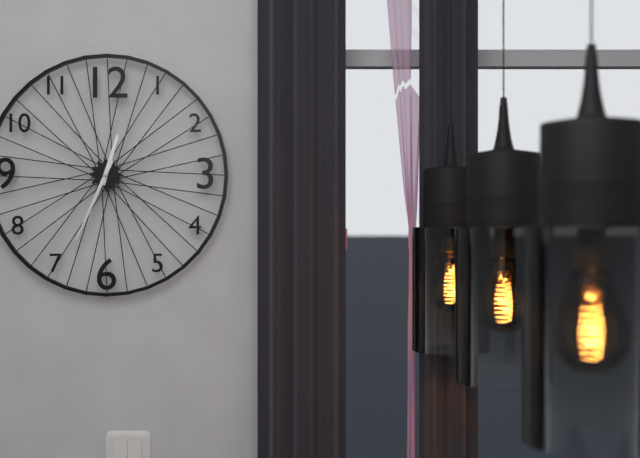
12:34
